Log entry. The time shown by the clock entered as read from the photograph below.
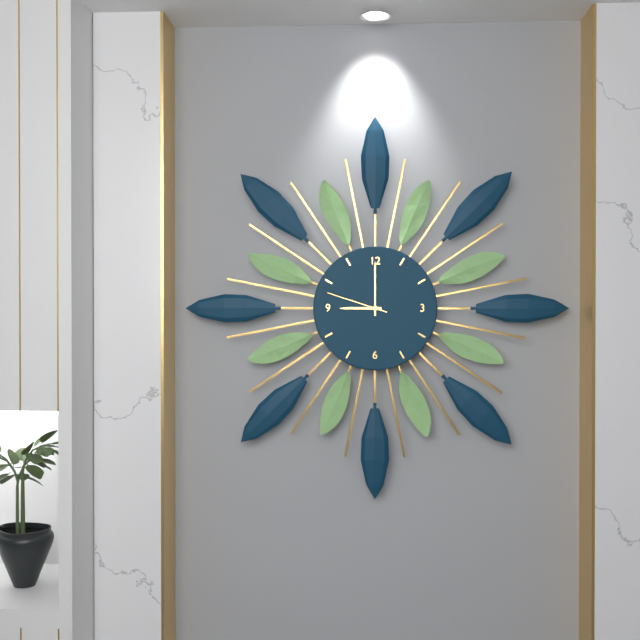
9:00:48
